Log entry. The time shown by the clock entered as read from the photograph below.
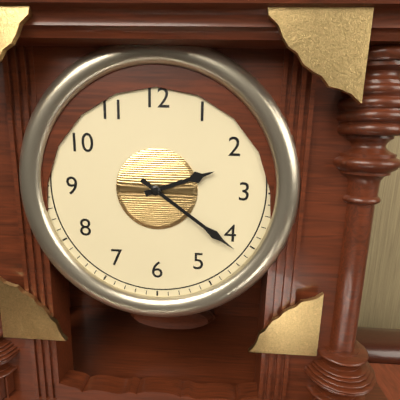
2:21
